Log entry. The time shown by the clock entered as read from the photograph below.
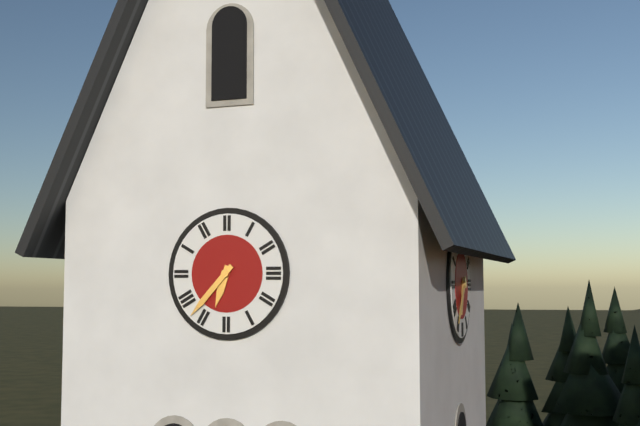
6:37
